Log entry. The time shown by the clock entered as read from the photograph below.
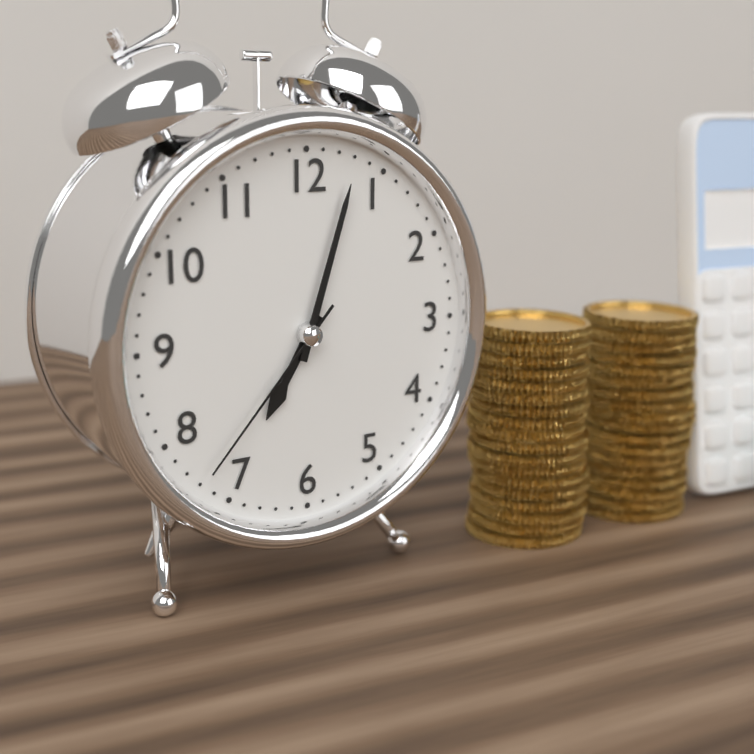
7:03:37
